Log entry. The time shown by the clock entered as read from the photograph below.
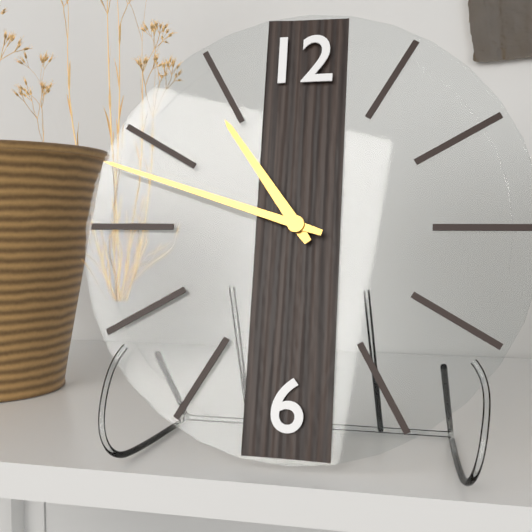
10:48
